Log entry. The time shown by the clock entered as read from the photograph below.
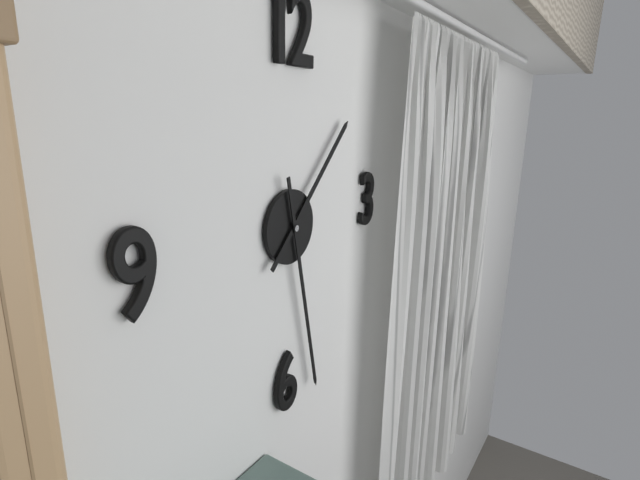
1:28
